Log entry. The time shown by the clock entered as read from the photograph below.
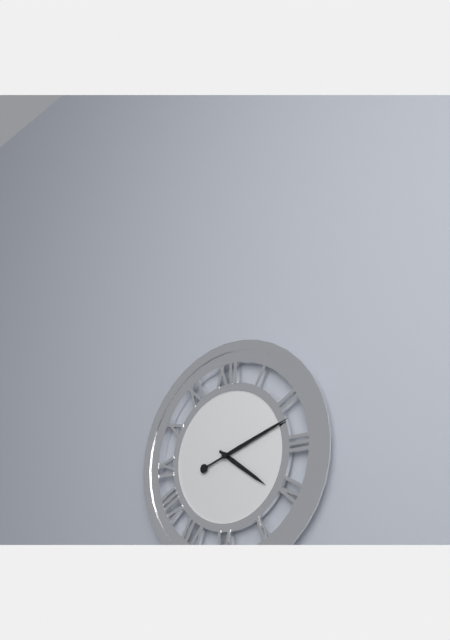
4:12
